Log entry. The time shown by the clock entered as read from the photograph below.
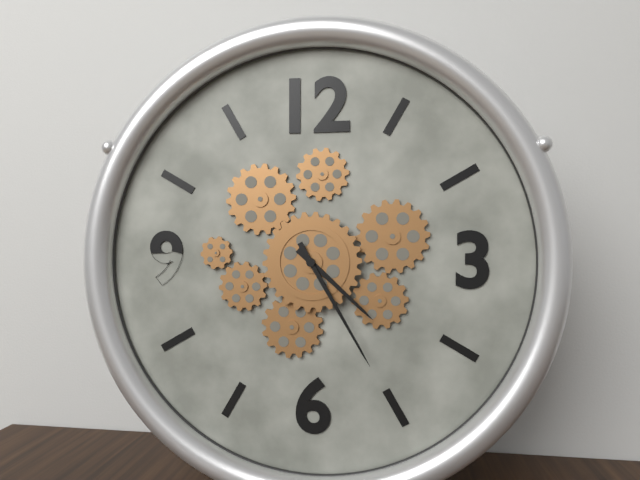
4:25
